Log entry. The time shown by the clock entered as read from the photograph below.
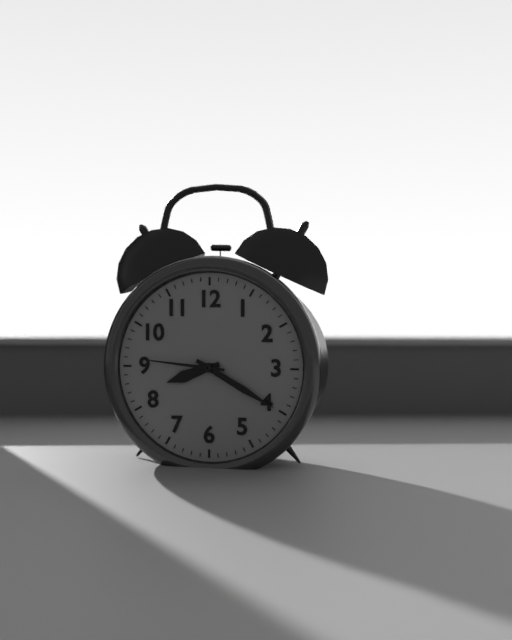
8:20:46
